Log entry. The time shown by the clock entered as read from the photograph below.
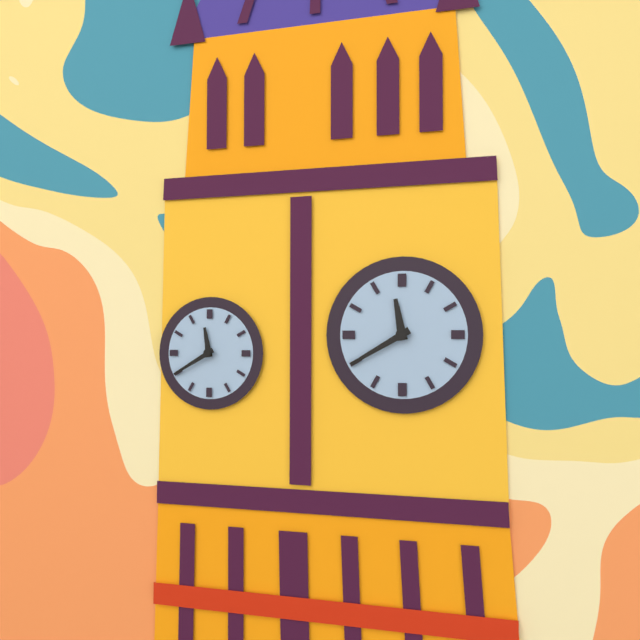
11:40
